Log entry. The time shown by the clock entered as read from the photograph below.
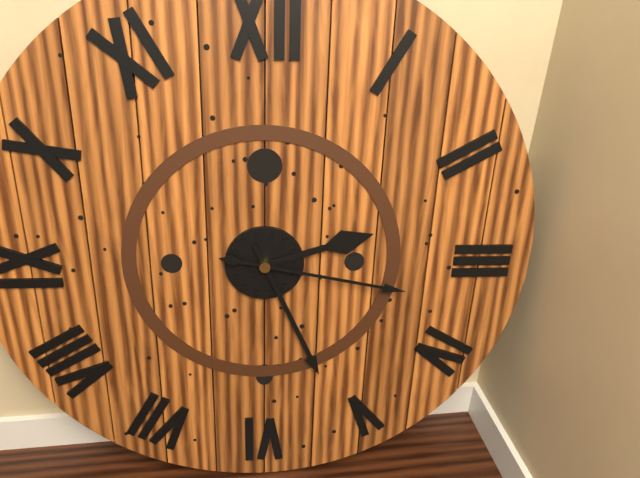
2:26:17
